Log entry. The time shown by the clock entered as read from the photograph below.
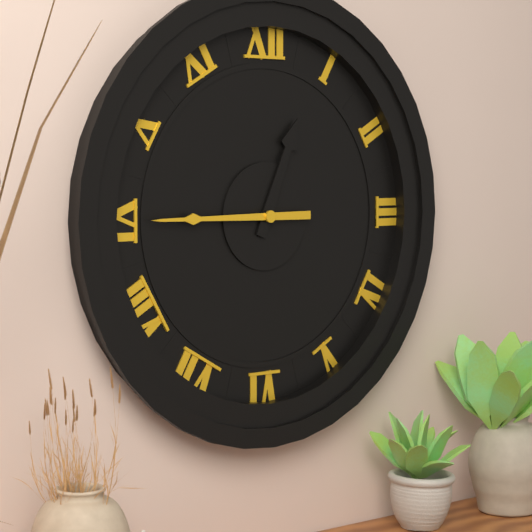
12:45
